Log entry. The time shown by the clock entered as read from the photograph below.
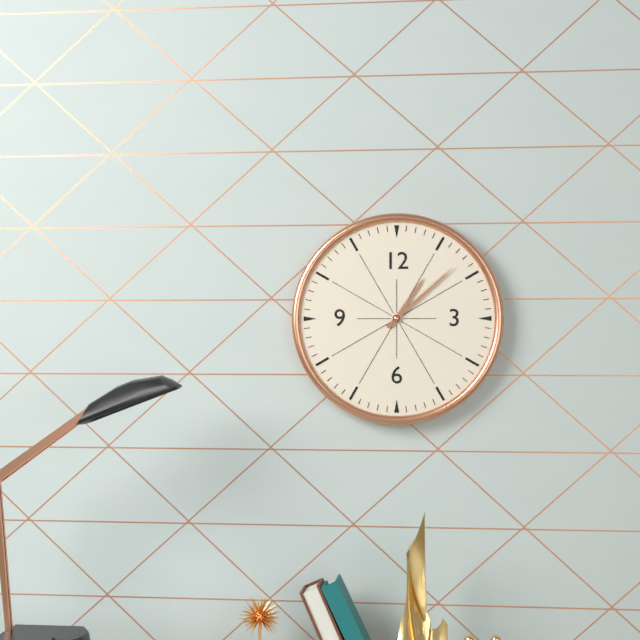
1:08
